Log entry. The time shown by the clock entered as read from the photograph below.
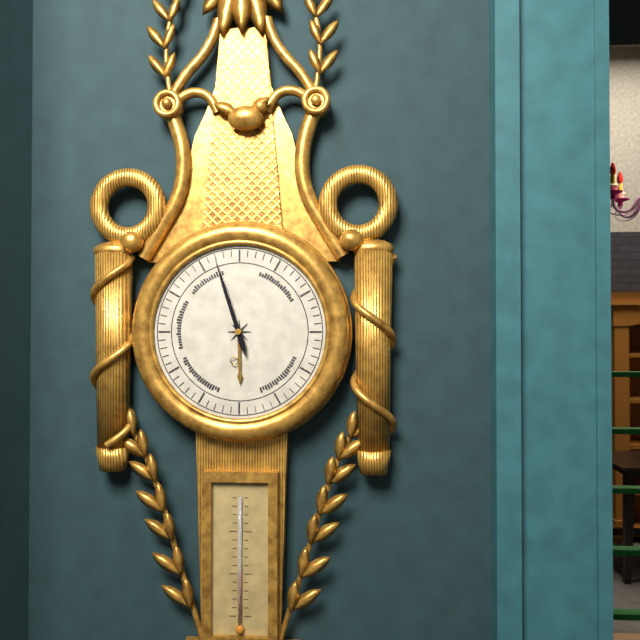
5:57
